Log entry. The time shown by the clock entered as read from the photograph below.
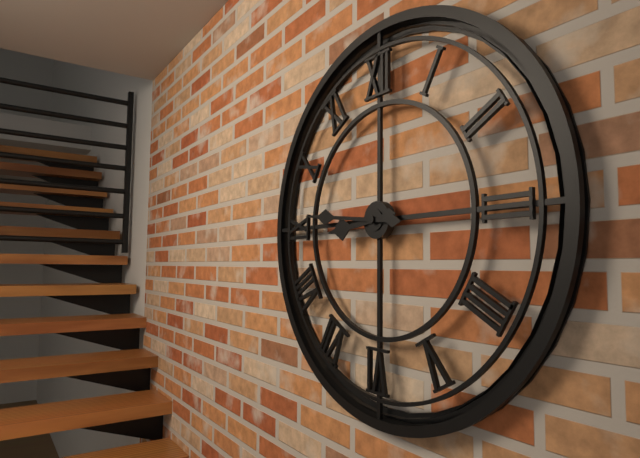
8:46
